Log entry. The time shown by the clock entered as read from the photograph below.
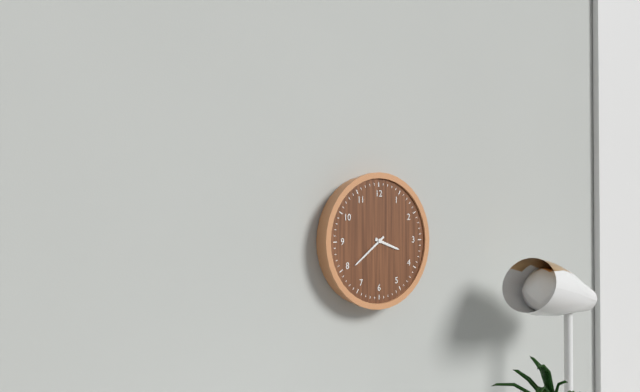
3:39
